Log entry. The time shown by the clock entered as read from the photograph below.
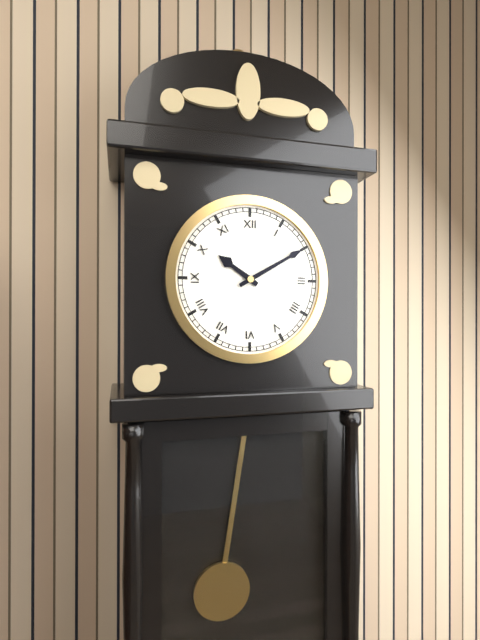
10:10
